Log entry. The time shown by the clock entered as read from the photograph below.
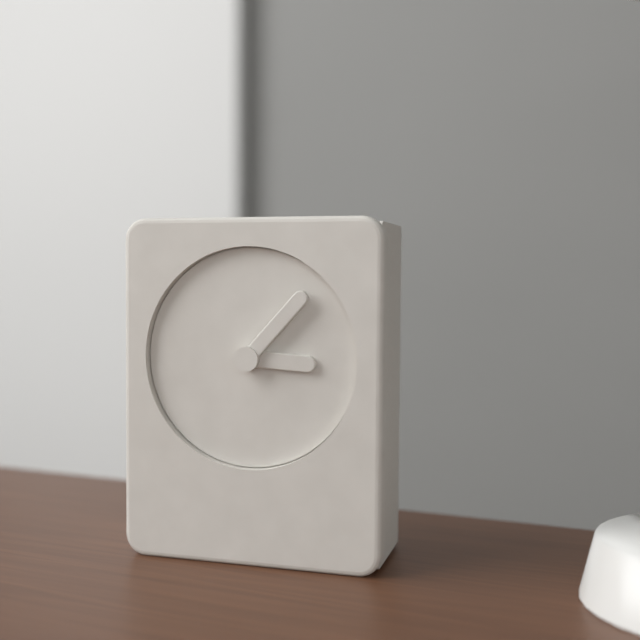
3:07
